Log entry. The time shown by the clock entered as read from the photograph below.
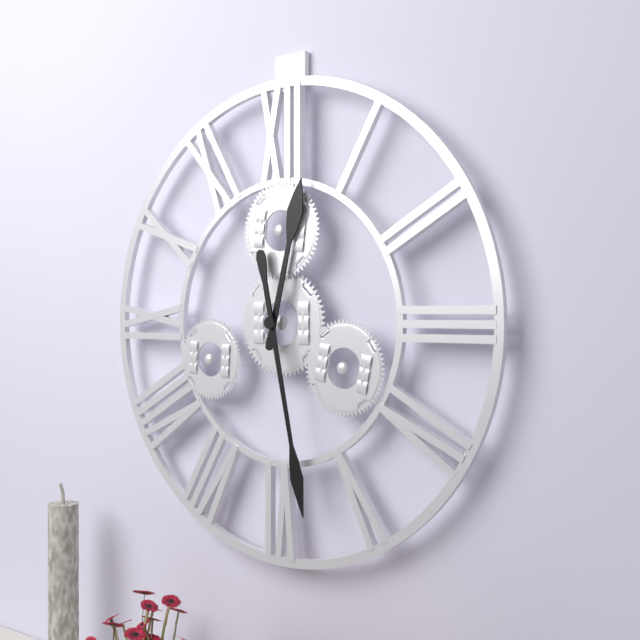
12:28
